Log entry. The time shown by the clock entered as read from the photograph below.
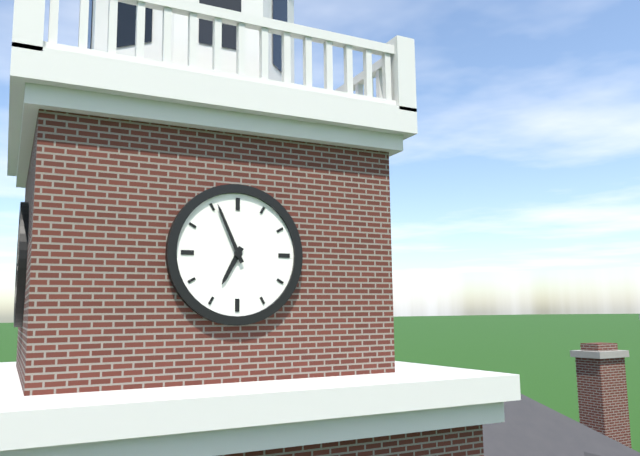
6:56
